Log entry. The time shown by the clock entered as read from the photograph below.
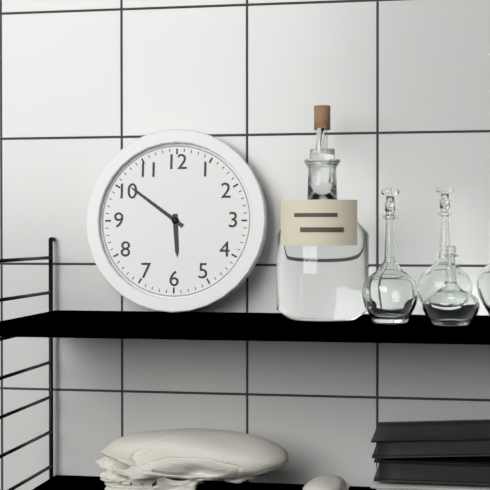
5:51
